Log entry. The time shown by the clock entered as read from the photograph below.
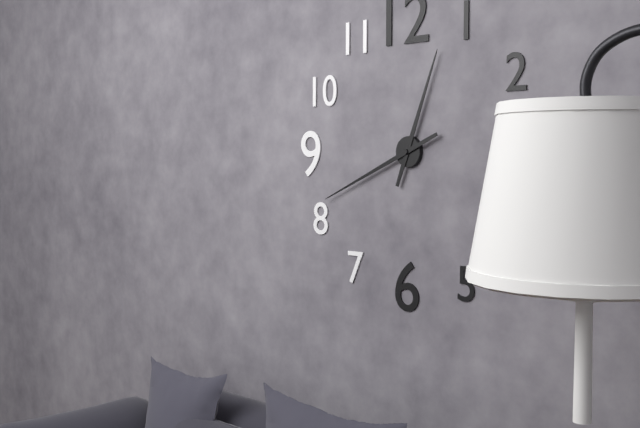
12:41
